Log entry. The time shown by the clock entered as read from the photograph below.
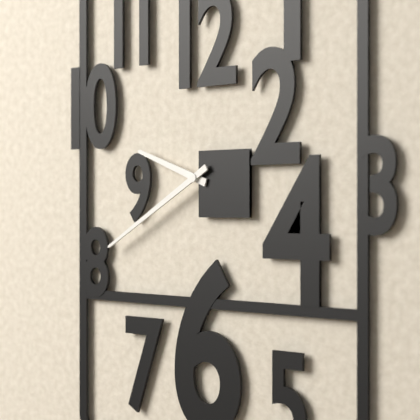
9:40
